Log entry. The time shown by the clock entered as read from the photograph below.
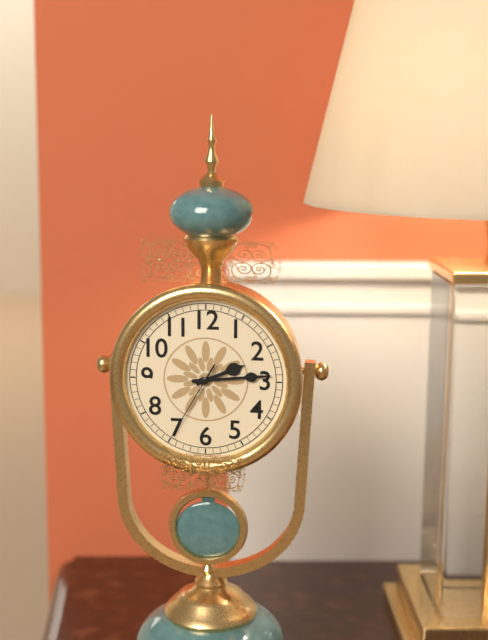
2:14:35
